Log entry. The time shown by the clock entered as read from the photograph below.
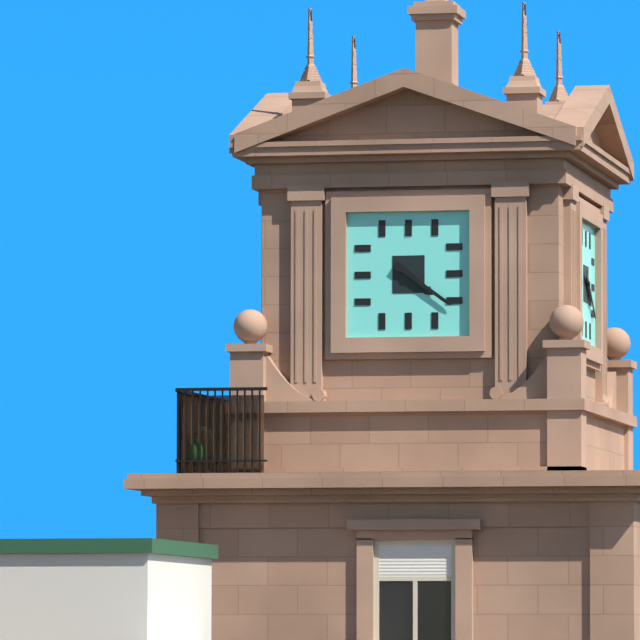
4:21
